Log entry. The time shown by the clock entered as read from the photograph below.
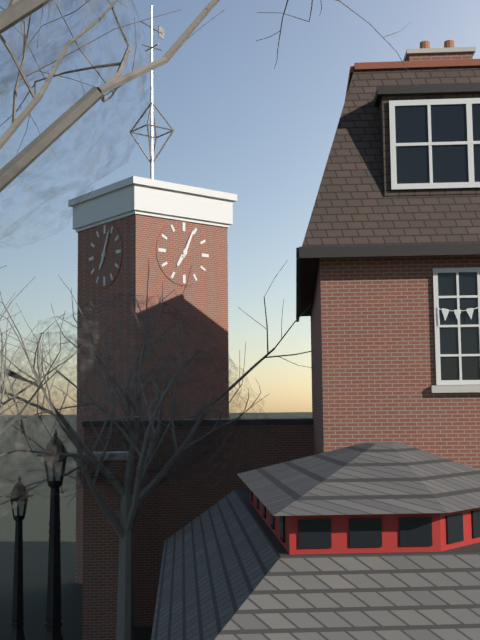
7:04
